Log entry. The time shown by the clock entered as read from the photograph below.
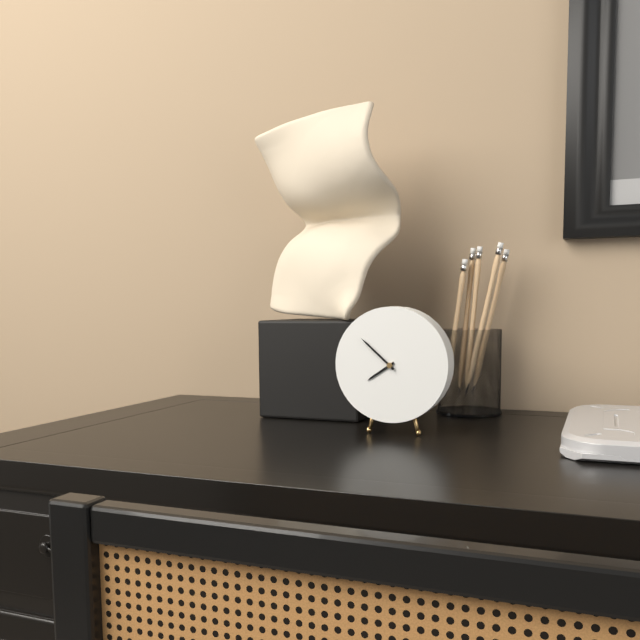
7:52
